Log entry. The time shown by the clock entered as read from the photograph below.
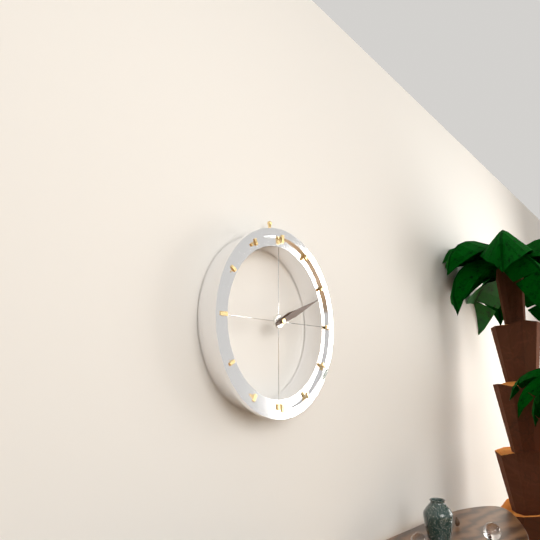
2:11
